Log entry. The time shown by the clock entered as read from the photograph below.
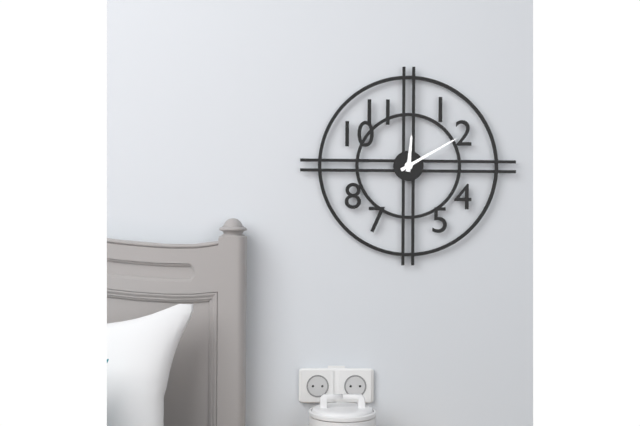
12:10
